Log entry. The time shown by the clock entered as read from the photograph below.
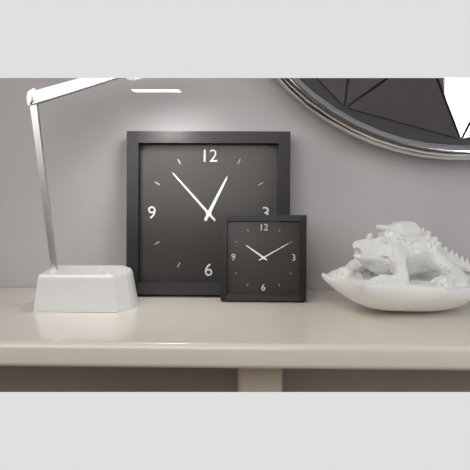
12:53
